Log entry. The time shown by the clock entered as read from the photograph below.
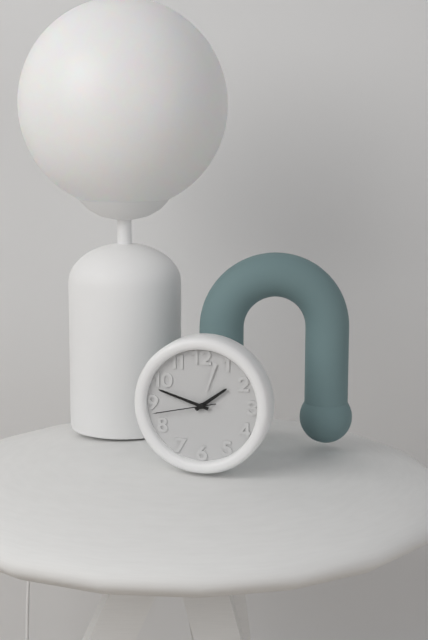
1:48:43
